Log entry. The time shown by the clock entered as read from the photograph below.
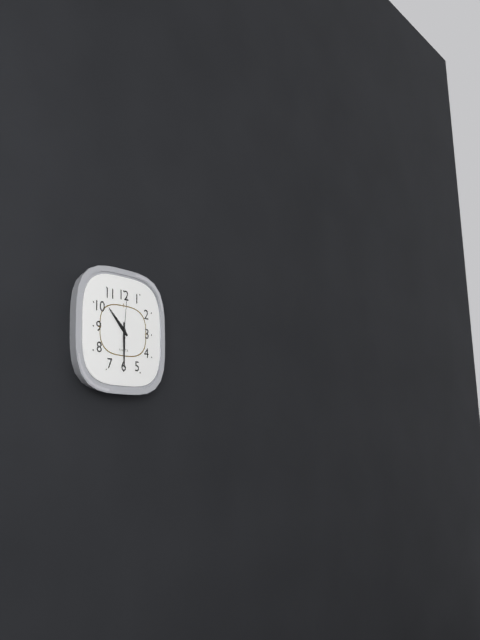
10:30
